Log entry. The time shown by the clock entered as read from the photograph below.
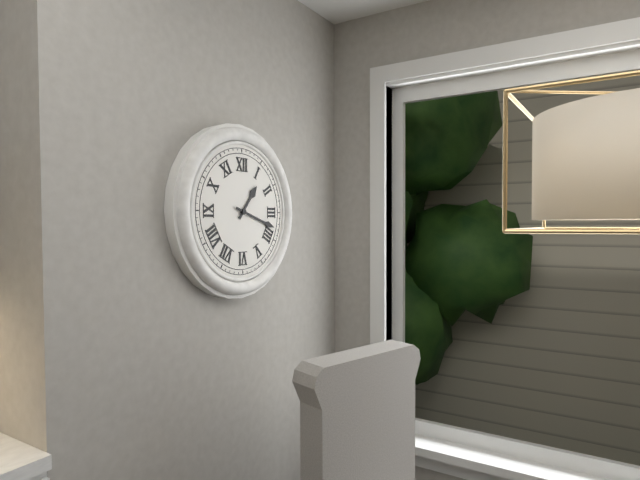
1:18
